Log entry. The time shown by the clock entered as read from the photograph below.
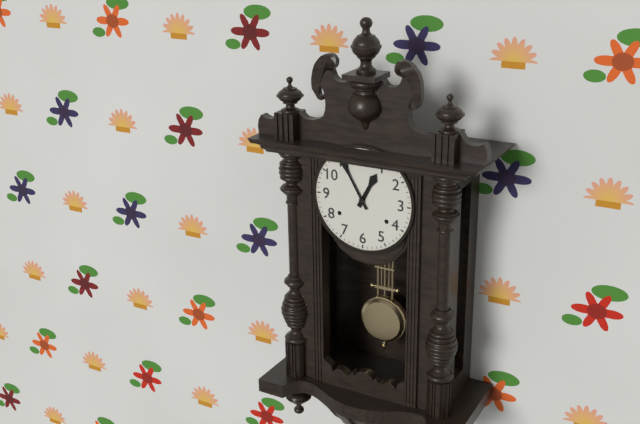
12:55
